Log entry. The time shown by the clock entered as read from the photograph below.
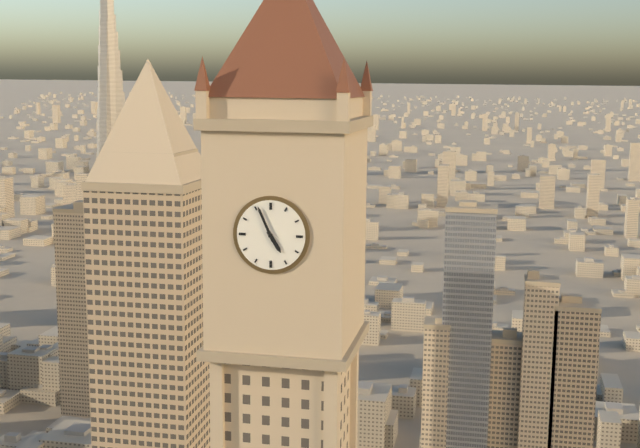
4:56
